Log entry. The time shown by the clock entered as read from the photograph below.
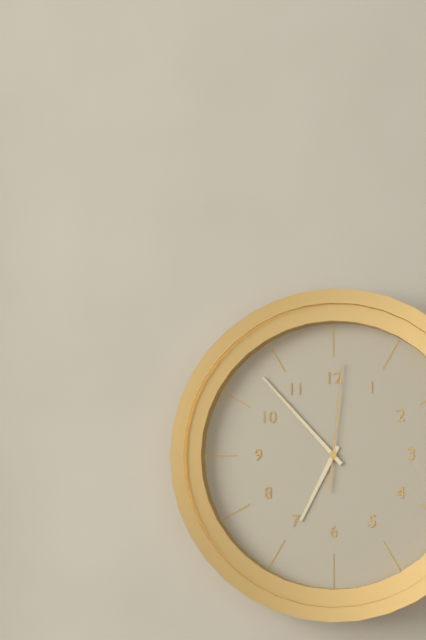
6:53:01
